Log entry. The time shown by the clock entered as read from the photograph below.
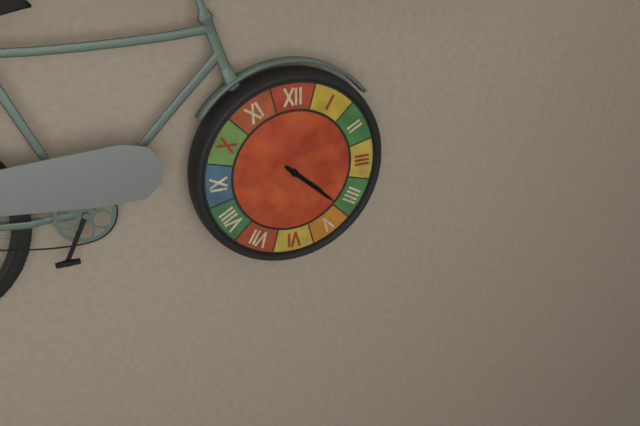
4:22
